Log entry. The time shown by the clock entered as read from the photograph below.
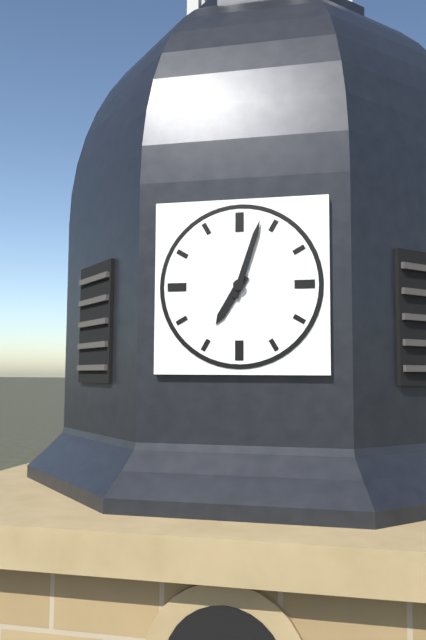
7:03
